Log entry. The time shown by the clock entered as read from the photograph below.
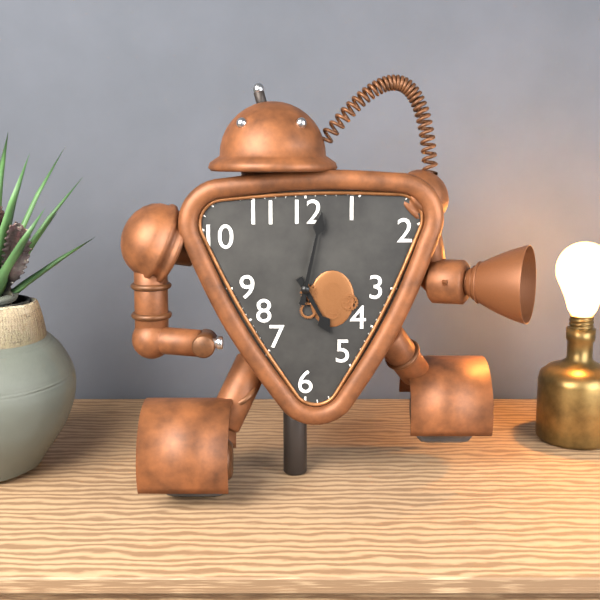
5:02
